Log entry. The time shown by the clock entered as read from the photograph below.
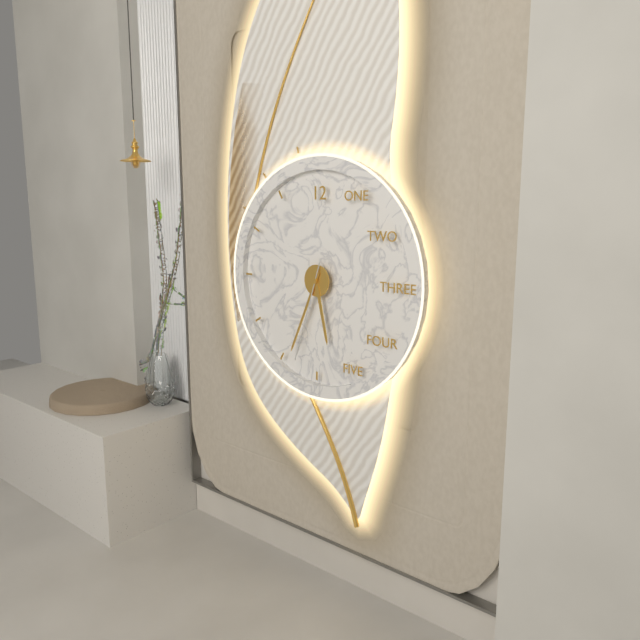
5:34:33
